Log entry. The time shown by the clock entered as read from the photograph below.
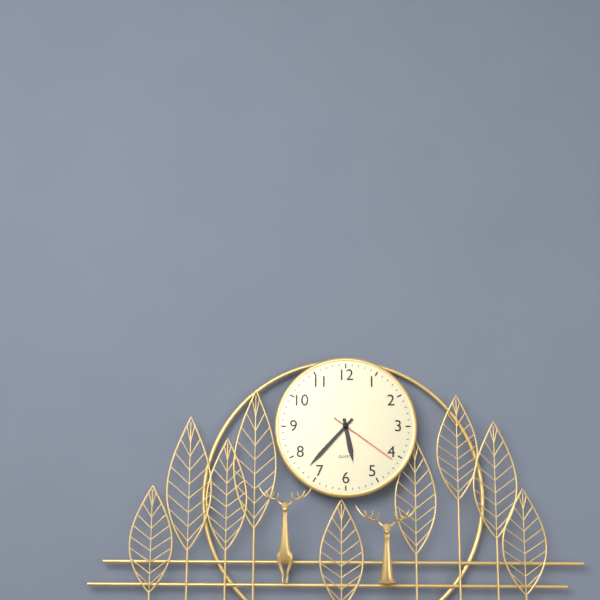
5:37:21
